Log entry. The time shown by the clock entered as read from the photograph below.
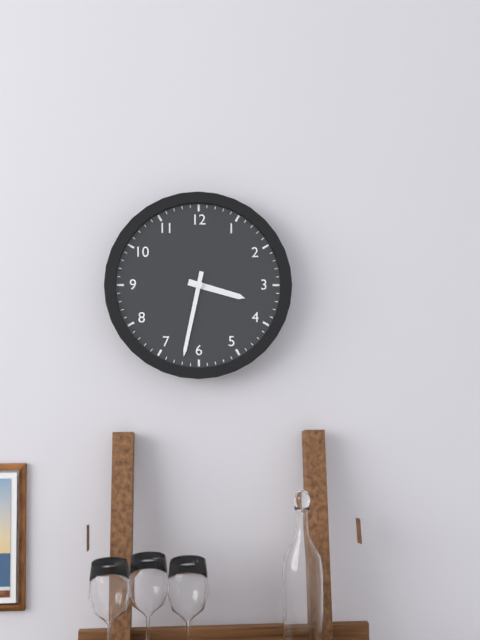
3:32
